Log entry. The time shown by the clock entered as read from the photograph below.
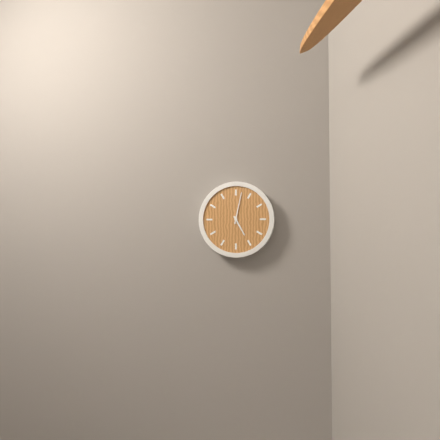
5:02
